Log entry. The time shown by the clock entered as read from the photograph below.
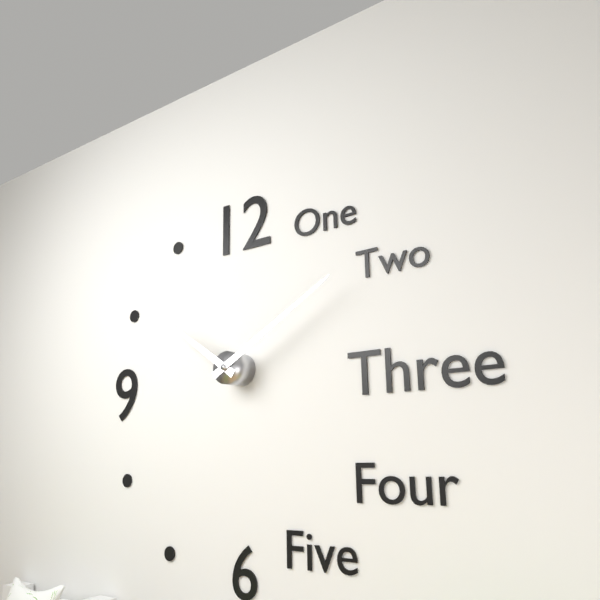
10:10
